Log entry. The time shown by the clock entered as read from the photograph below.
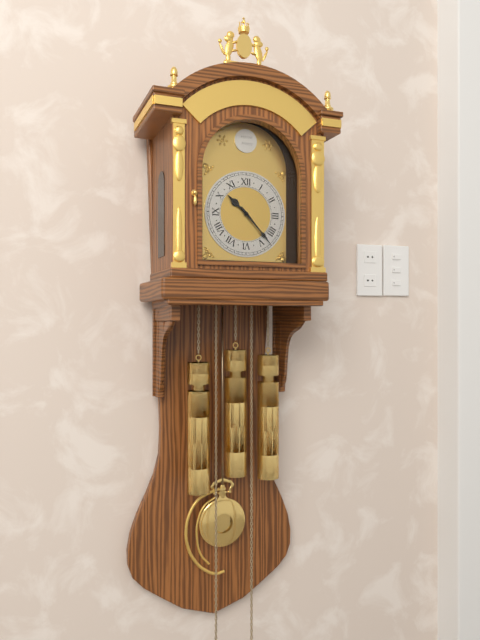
10:23
